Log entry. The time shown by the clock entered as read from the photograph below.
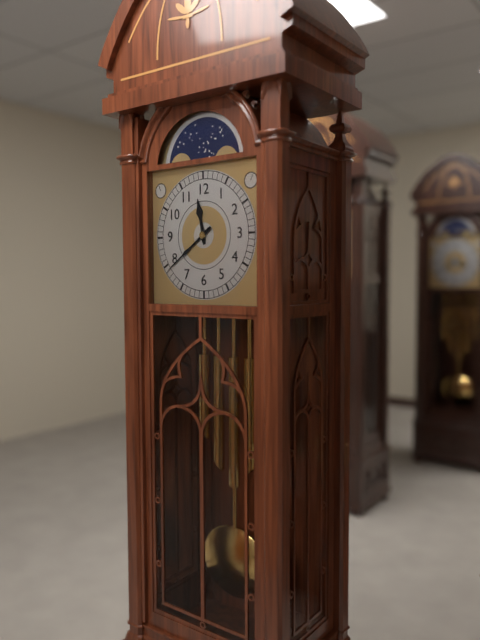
11:39
